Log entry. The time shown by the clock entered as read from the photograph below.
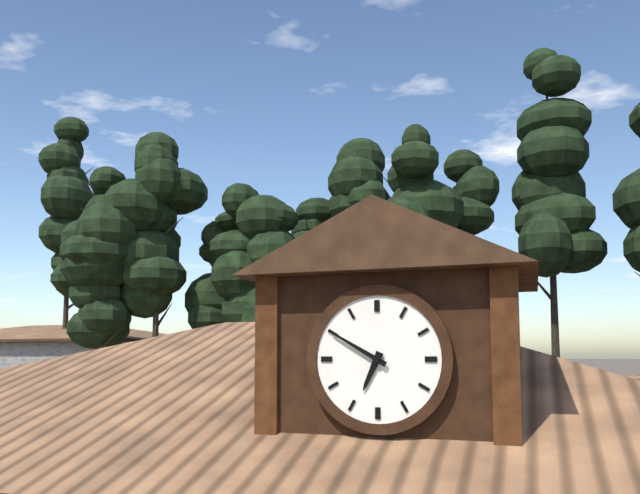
6:50
